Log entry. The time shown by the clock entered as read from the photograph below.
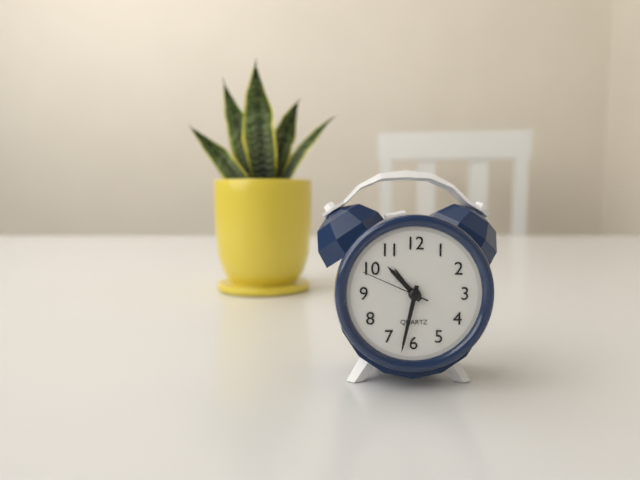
10:32:49
